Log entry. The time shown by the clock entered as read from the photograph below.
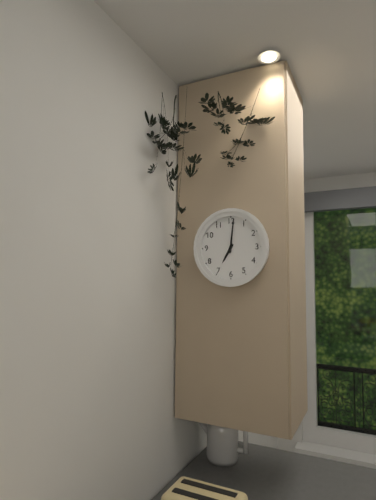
7:01
